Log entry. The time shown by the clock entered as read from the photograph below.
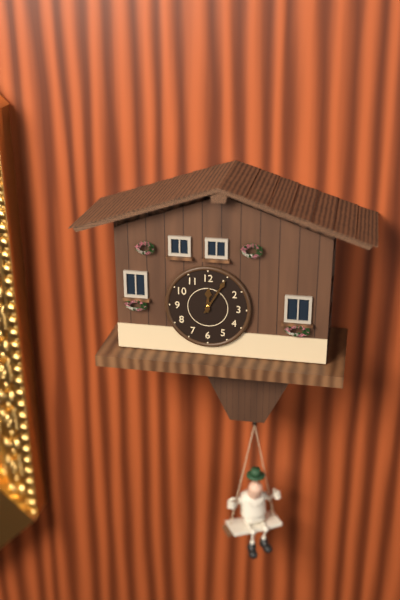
12:05
